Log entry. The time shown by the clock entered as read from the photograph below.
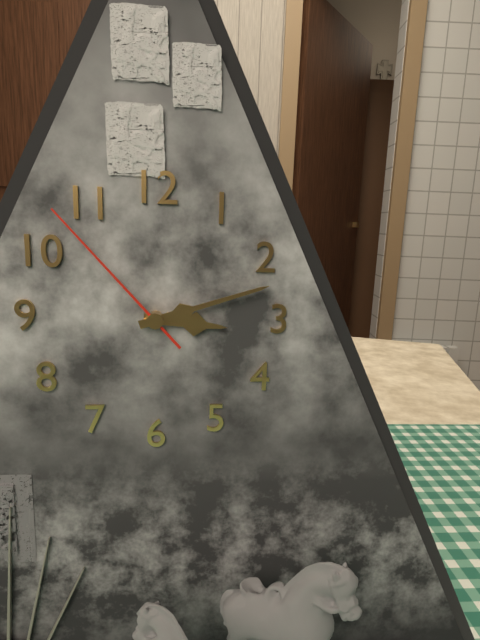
3:12:53
